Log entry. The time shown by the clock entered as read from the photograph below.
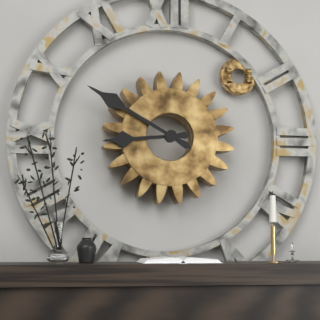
8:50
